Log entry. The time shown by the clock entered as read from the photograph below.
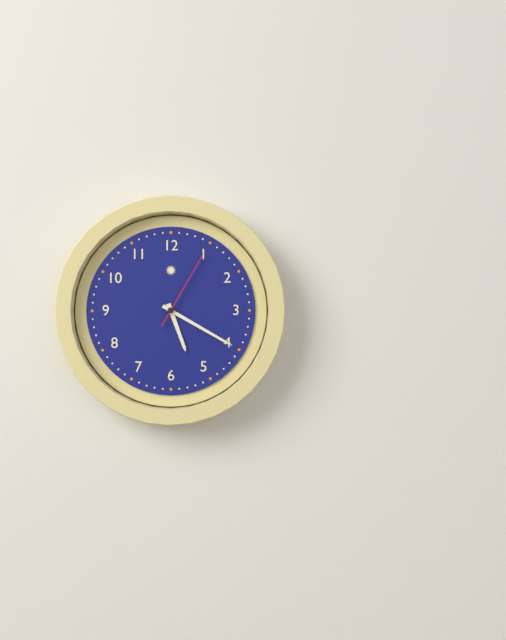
5:20:05
